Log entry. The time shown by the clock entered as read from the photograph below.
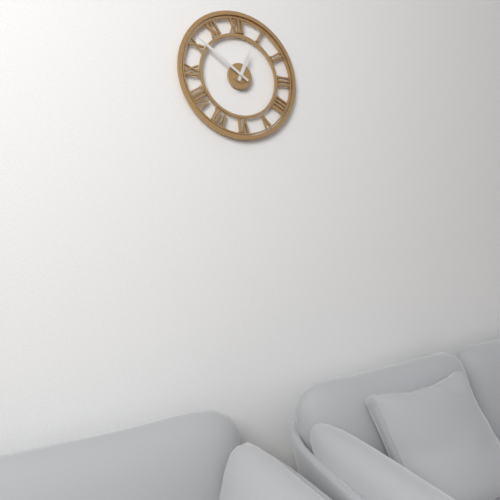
12:51
